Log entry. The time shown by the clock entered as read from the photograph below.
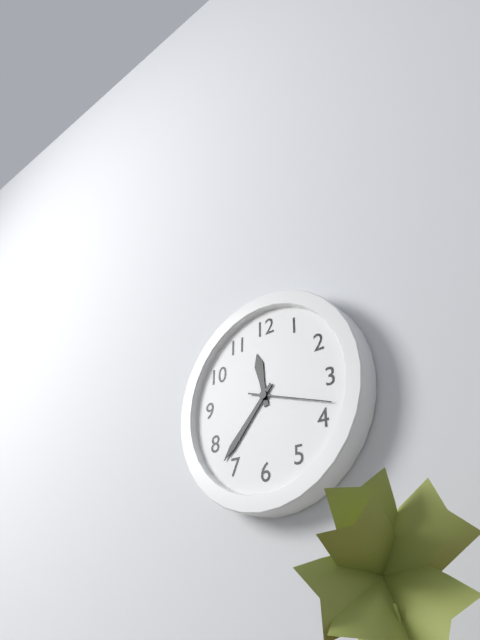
11:37:18
